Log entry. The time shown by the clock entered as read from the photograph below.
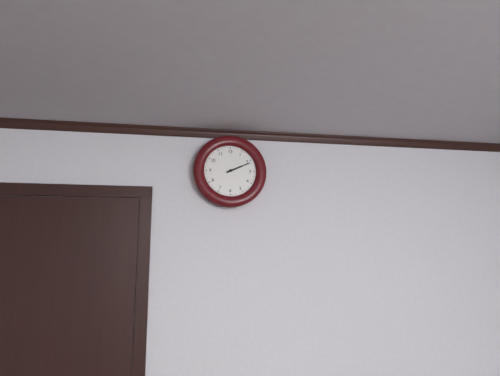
2:11
